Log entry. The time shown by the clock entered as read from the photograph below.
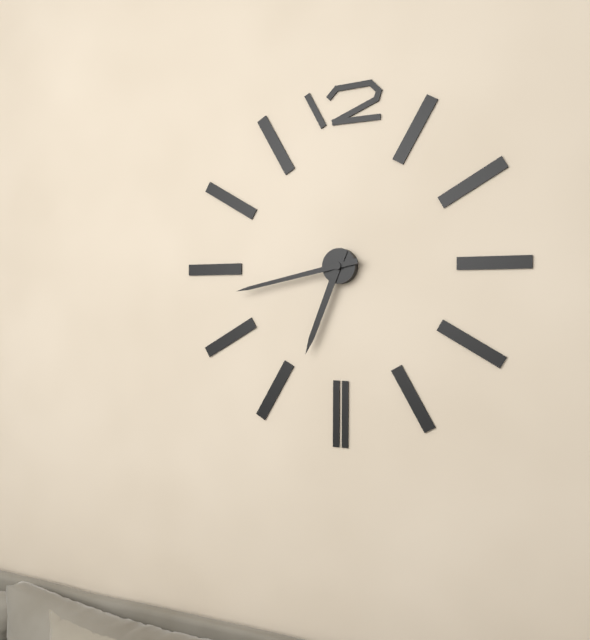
6:43
